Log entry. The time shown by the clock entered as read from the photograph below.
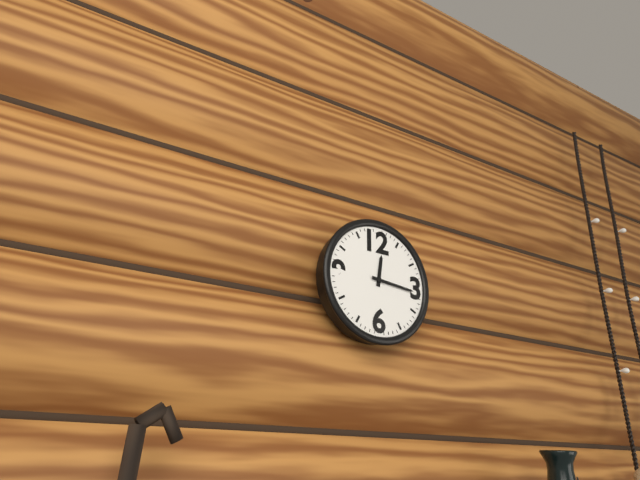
12:16
